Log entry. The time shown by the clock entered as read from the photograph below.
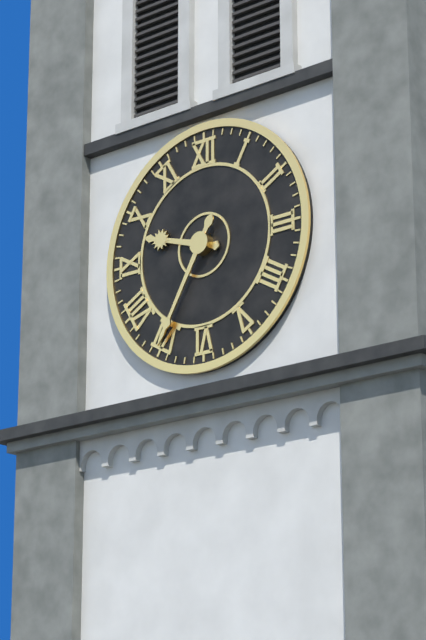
9:35
